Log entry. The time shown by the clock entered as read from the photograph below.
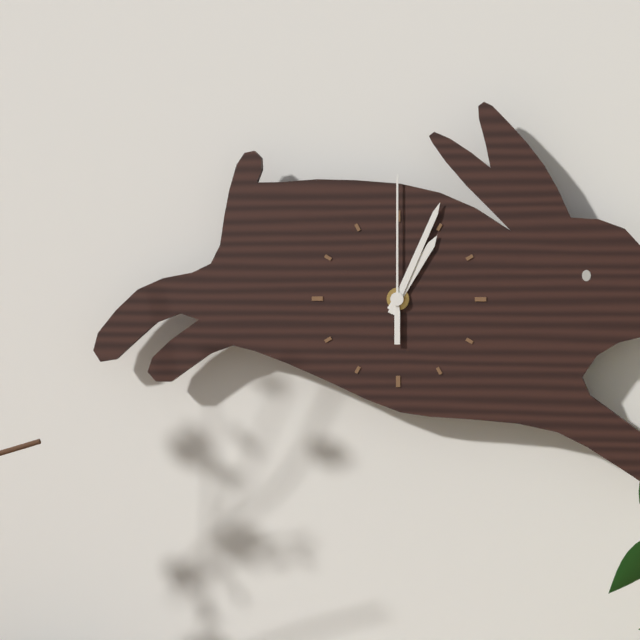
1:04:00
